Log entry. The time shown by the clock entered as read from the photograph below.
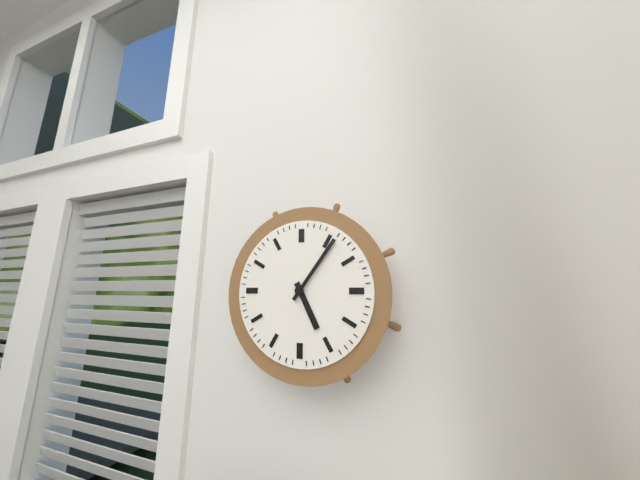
5:06
